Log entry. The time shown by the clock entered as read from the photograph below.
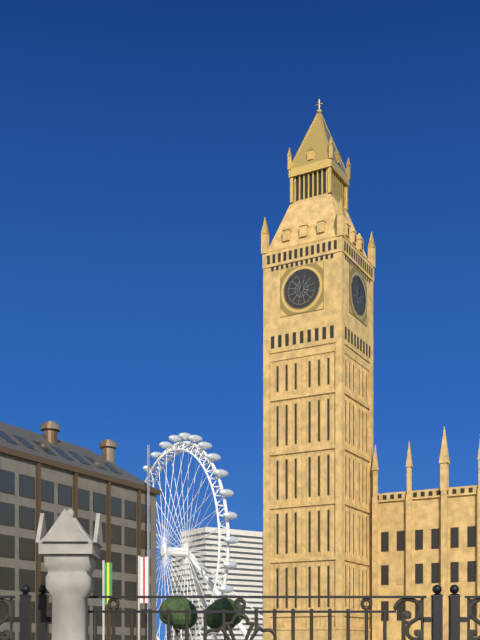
1:01
